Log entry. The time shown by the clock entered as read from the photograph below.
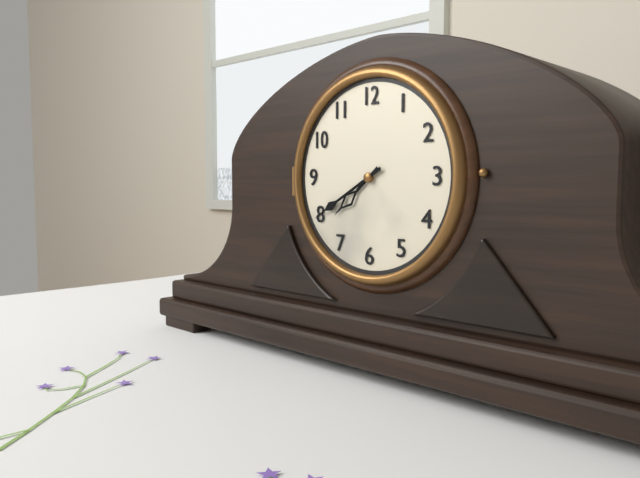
7:40
